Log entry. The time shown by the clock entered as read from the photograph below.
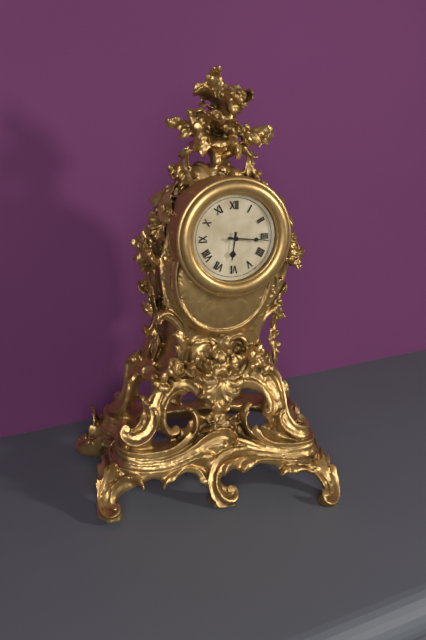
6:16
